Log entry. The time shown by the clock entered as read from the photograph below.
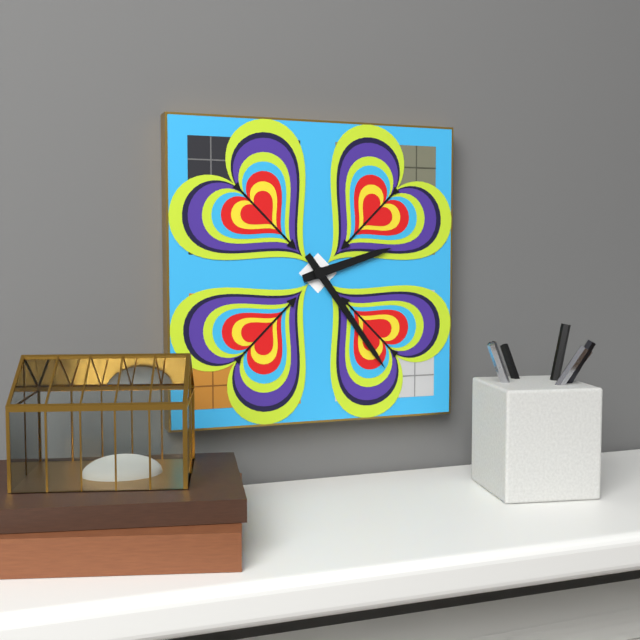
2:24
